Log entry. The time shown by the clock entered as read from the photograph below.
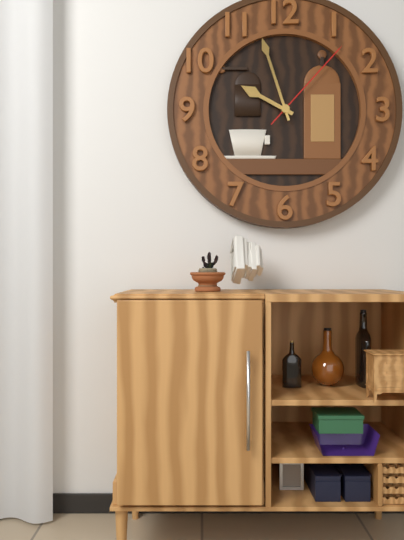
9:57:07
